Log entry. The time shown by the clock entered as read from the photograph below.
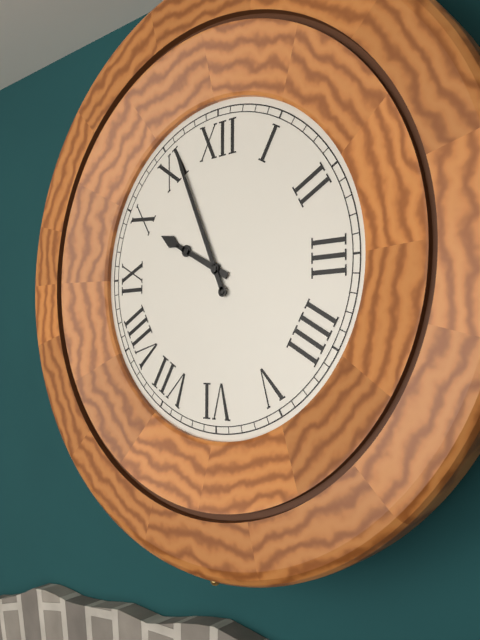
9:56
